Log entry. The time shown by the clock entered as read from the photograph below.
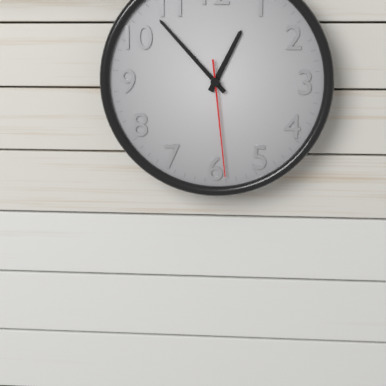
12:53:29
